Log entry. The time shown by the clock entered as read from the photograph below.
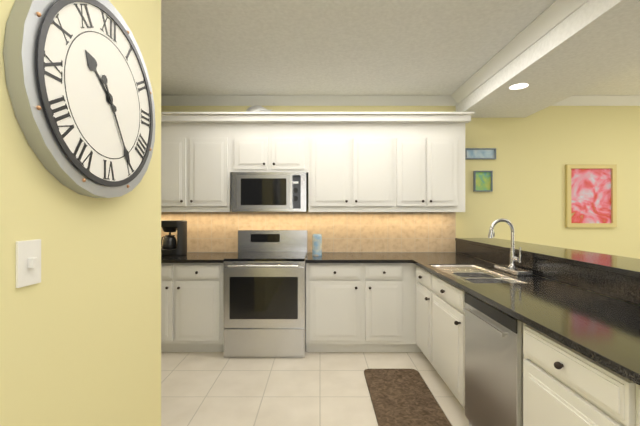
10:25
